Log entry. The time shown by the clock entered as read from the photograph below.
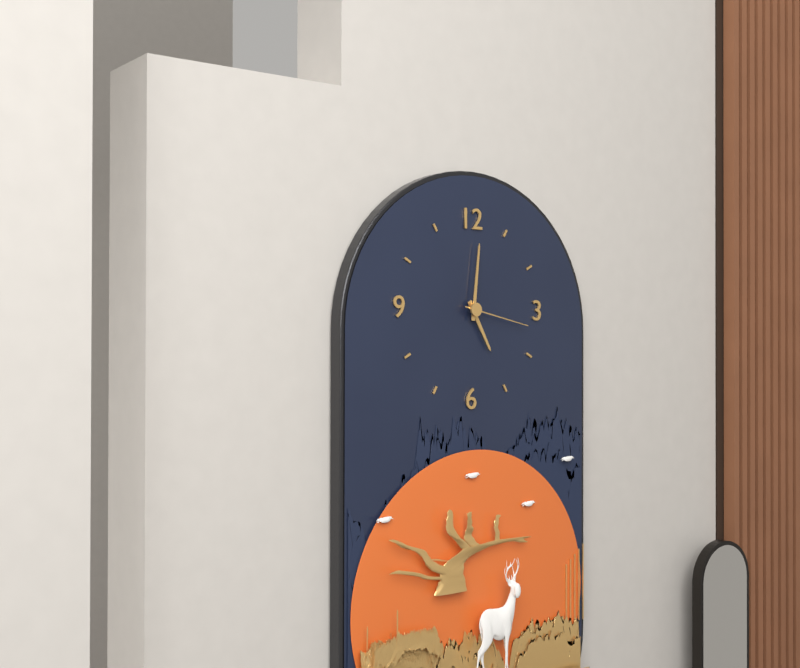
5:01:17
